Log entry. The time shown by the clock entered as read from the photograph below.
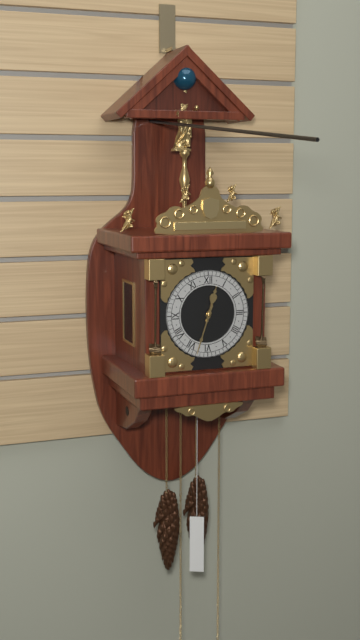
12:33
